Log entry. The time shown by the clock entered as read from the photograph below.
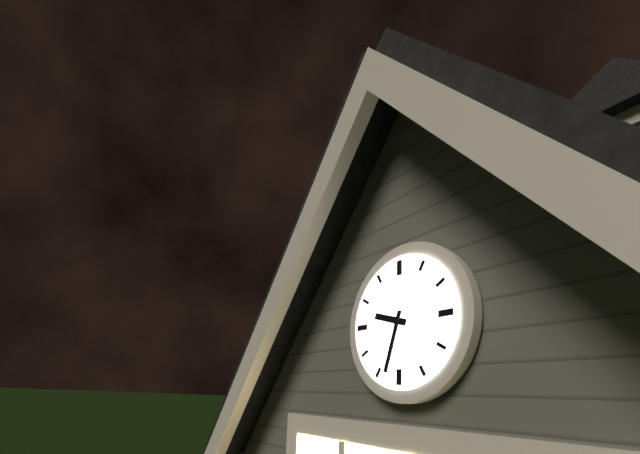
9:33
